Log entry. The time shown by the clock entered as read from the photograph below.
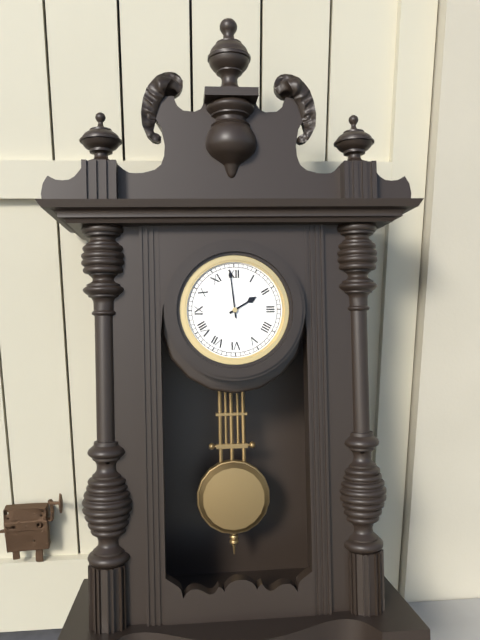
1:59
